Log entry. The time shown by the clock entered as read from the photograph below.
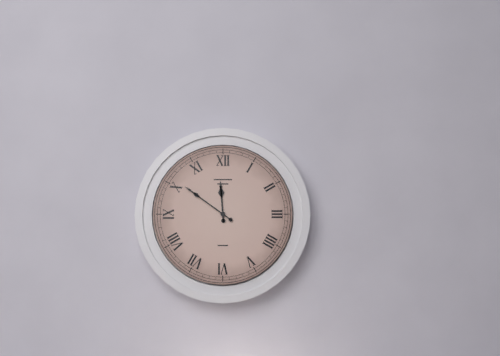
11:51
